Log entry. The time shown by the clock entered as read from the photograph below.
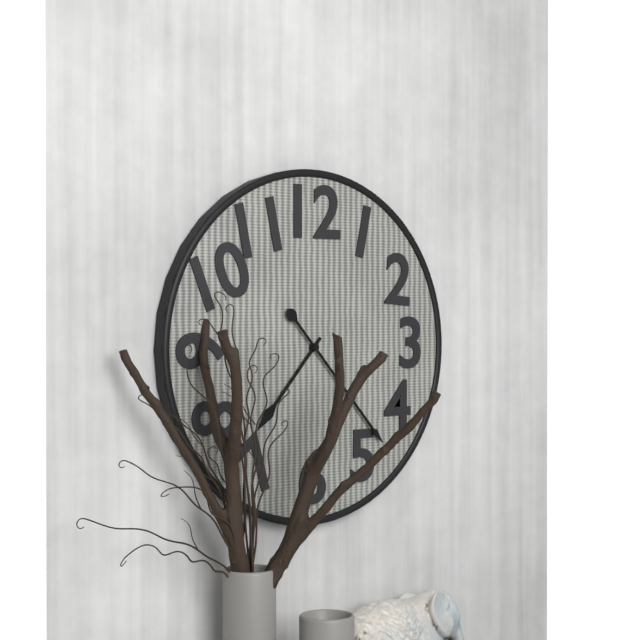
7:23
